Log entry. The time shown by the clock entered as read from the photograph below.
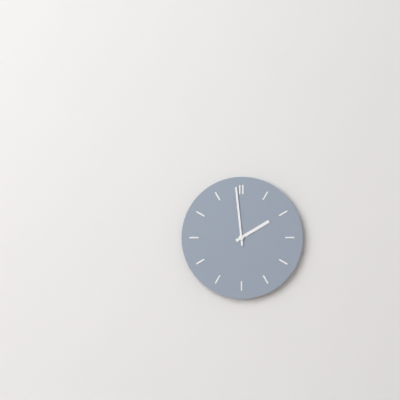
1:59
